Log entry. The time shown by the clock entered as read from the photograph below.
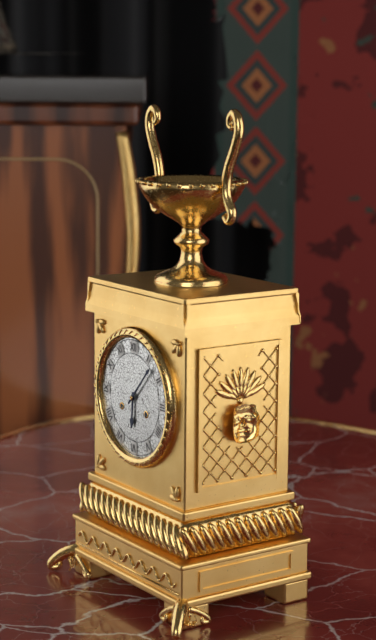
6:07
